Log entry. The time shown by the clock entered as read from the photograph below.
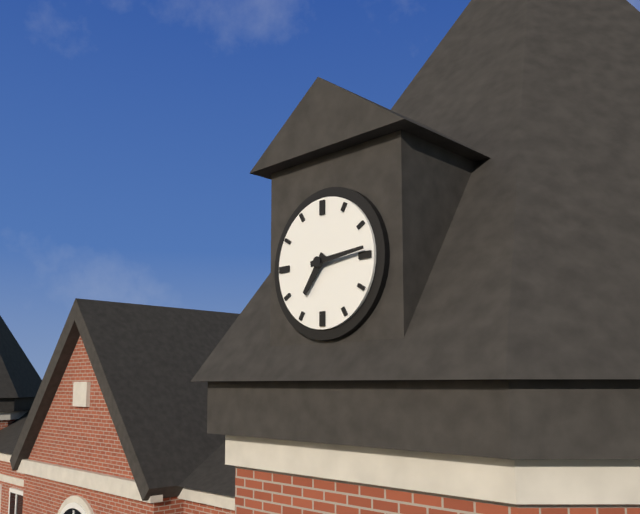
7:14
